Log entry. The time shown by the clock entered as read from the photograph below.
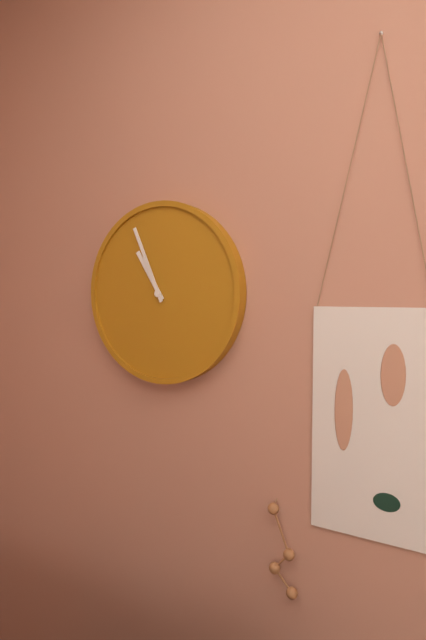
10:56
